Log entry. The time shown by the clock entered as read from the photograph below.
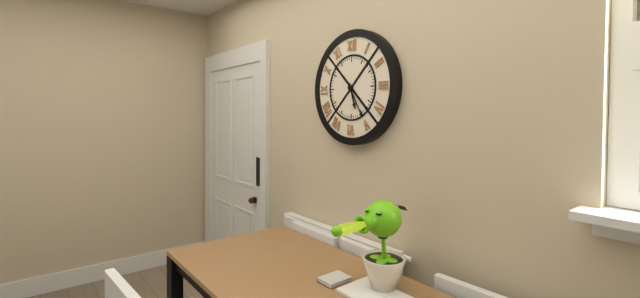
5:25
